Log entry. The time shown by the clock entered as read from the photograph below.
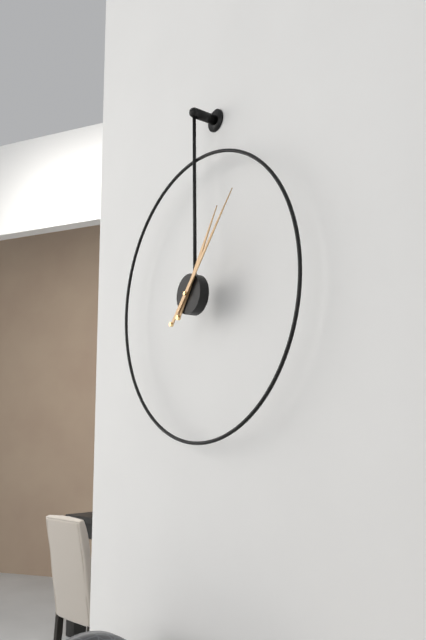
1:07
